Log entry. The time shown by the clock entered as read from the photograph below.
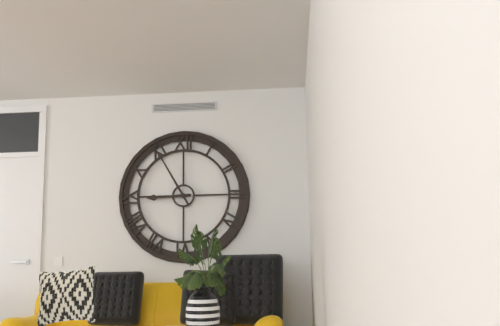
8:55
